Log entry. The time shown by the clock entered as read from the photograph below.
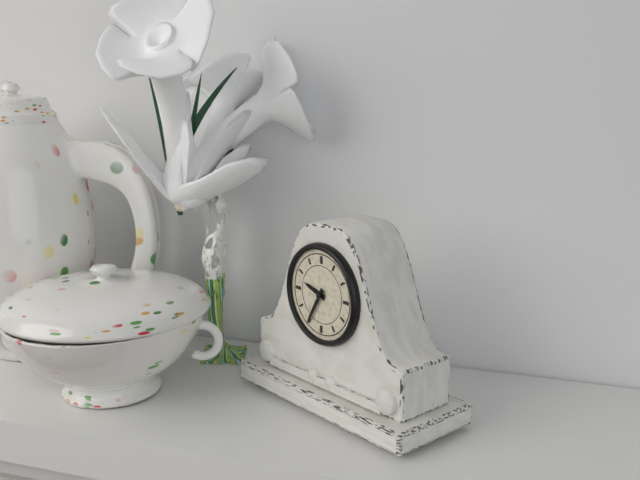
9:35
